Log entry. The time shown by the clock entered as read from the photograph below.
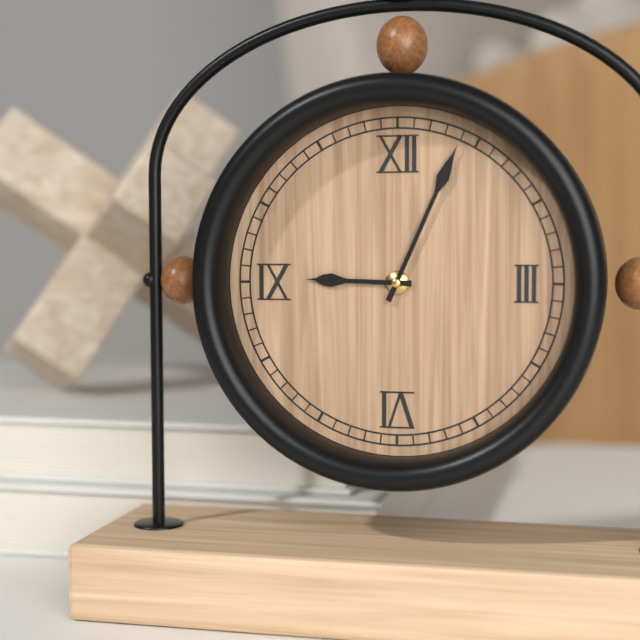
9:04
